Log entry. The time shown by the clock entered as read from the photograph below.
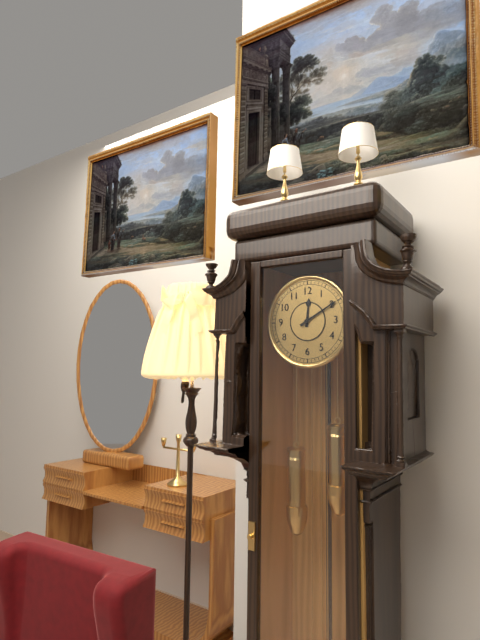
12:10
